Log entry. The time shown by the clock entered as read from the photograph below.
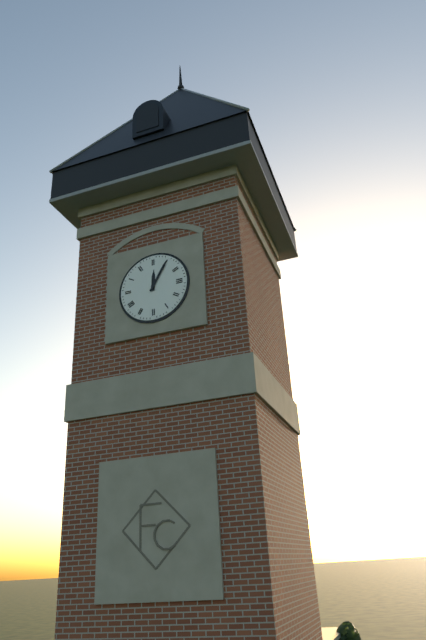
12:05
